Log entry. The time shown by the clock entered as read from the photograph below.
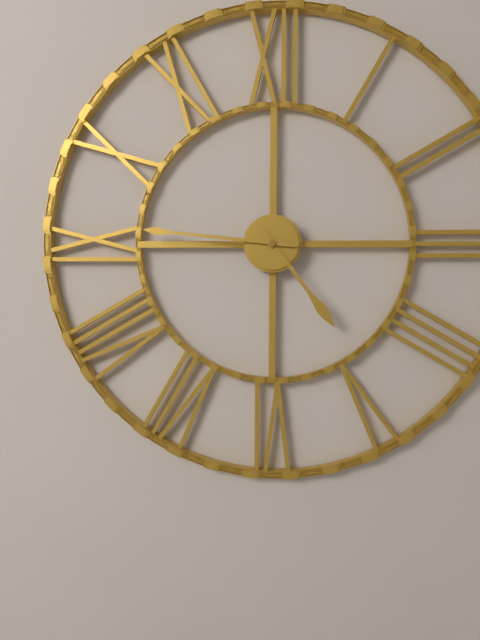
4:46
